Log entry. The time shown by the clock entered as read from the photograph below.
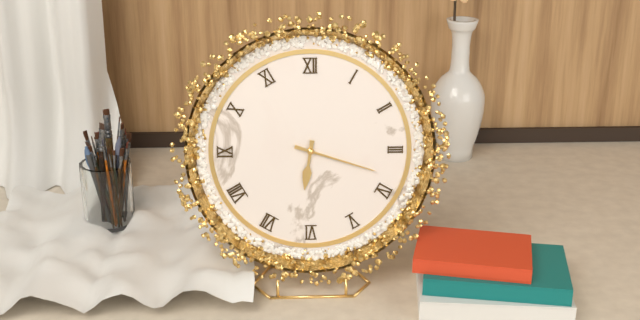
6:18
